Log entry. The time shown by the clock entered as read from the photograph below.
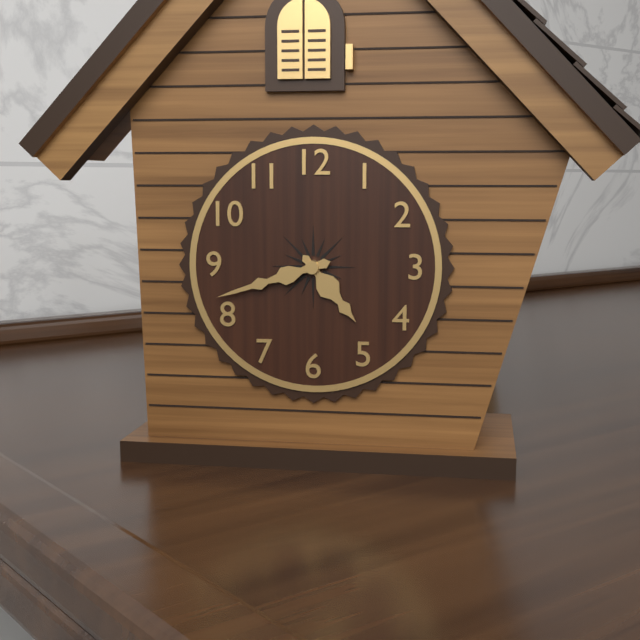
4:42
